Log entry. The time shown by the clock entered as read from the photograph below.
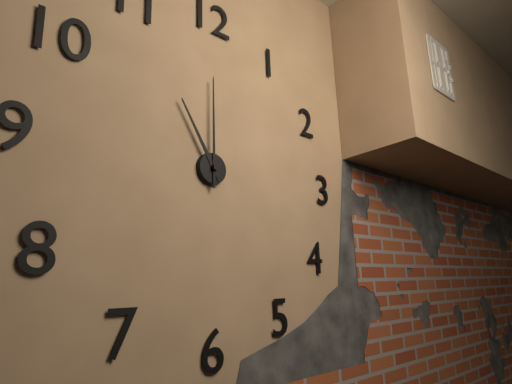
11:00
